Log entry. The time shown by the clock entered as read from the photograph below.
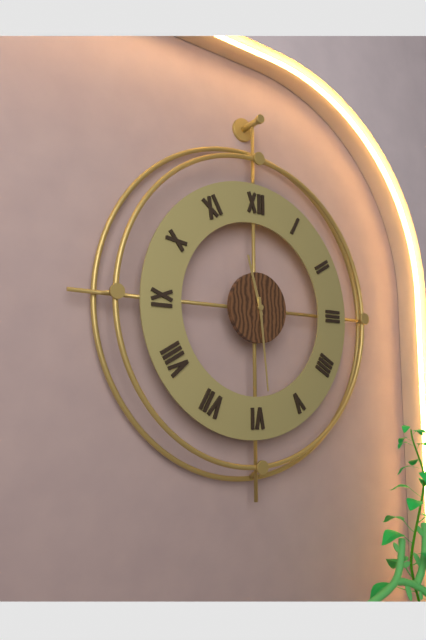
11:29
